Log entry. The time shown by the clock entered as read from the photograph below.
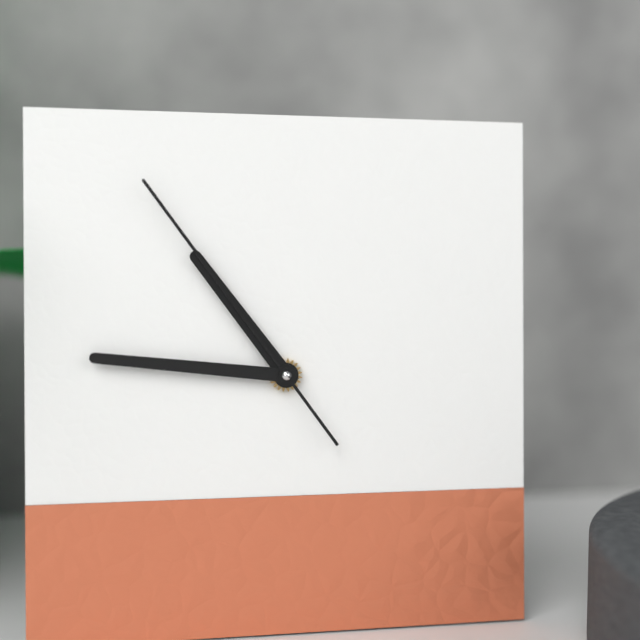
10:46:54
